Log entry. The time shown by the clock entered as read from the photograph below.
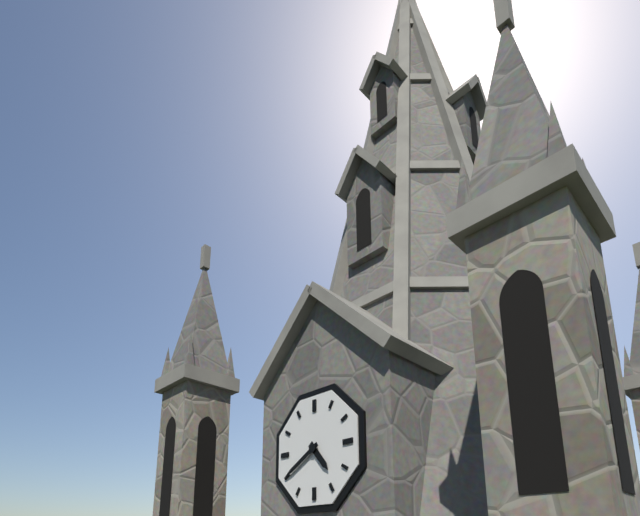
4:40
